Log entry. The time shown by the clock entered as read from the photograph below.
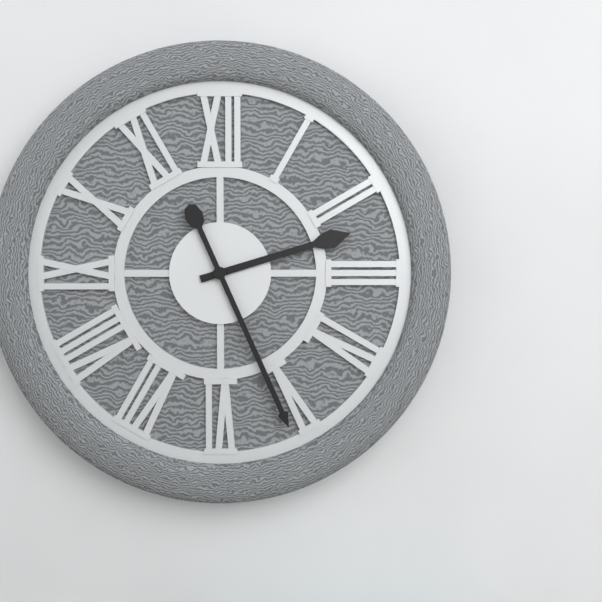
2:26
